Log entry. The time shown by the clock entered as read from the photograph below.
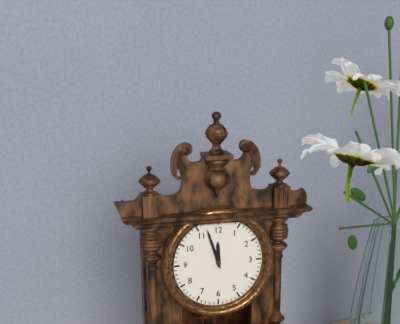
11:57
